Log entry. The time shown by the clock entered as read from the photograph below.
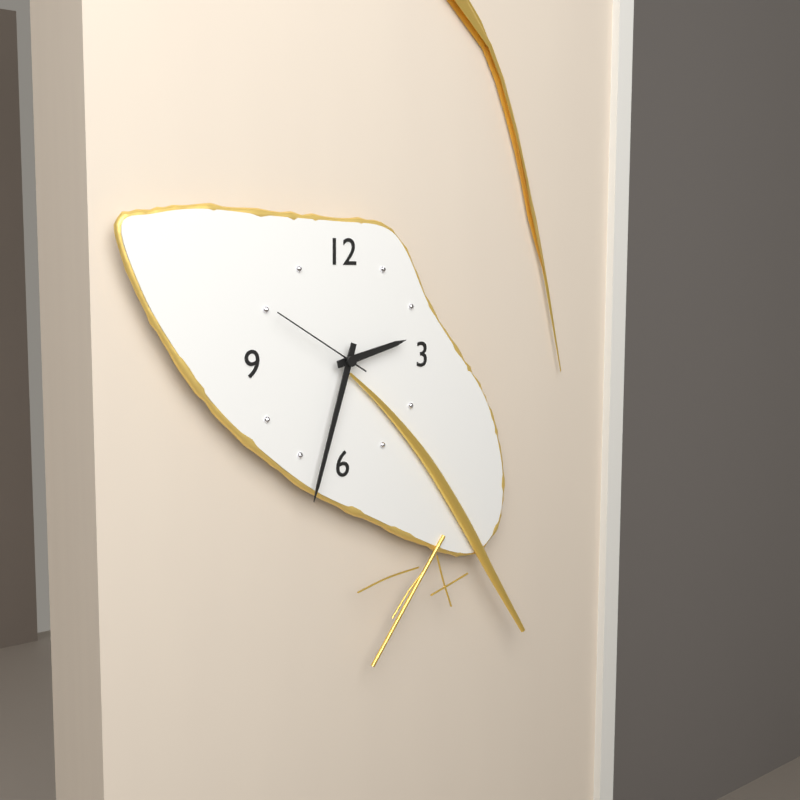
2:33:50
